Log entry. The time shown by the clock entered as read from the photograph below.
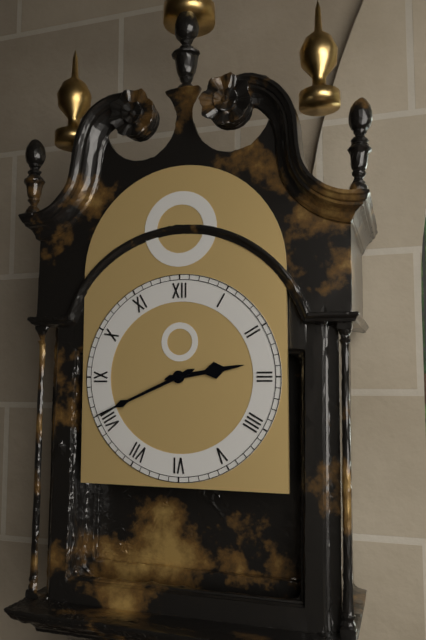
2:41
